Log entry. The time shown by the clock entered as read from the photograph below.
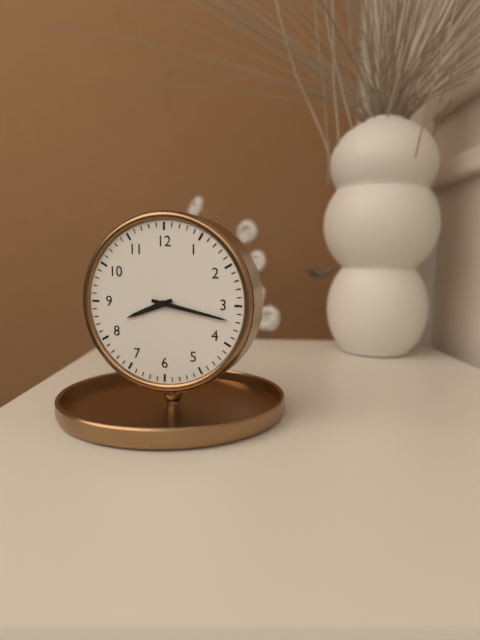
8:17
